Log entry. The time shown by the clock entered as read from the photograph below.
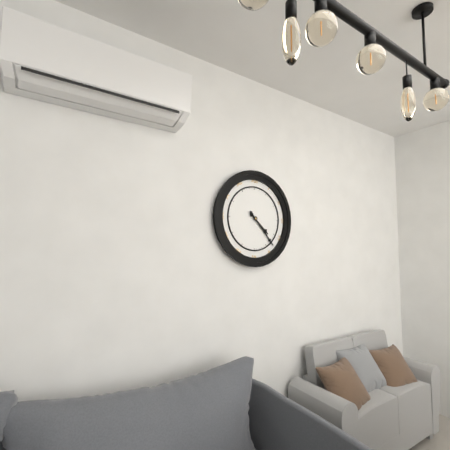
4:23
